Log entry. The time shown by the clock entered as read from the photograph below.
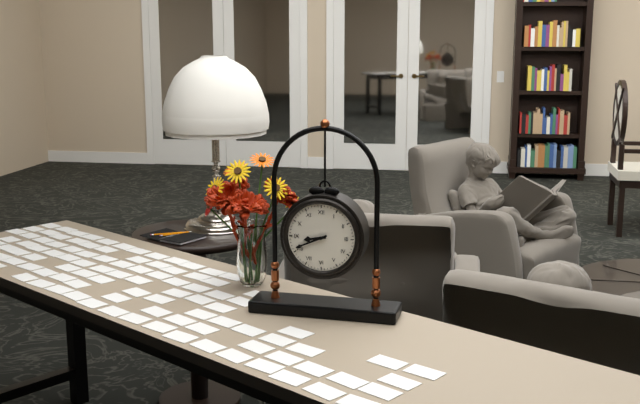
8:41
